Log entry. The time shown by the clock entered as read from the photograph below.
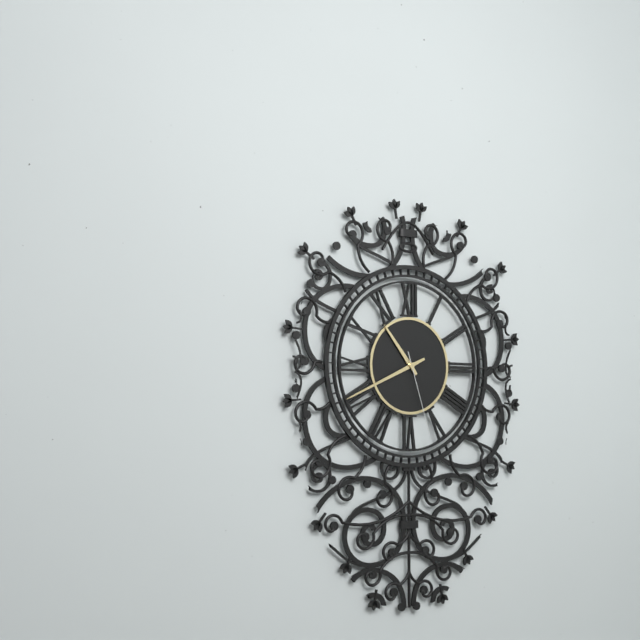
10:41:27
